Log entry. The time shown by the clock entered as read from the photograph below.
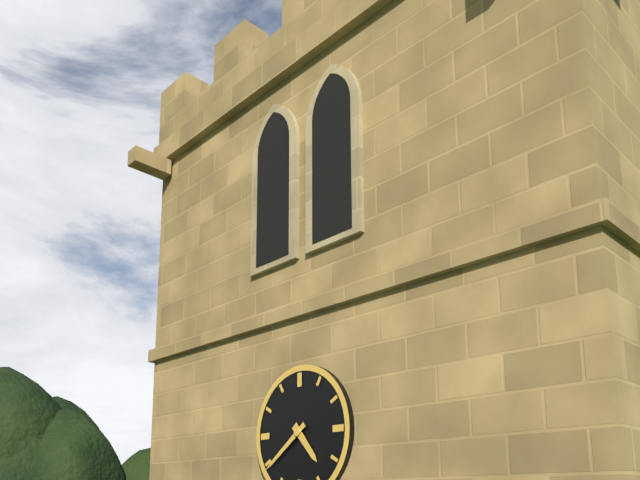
4:39
